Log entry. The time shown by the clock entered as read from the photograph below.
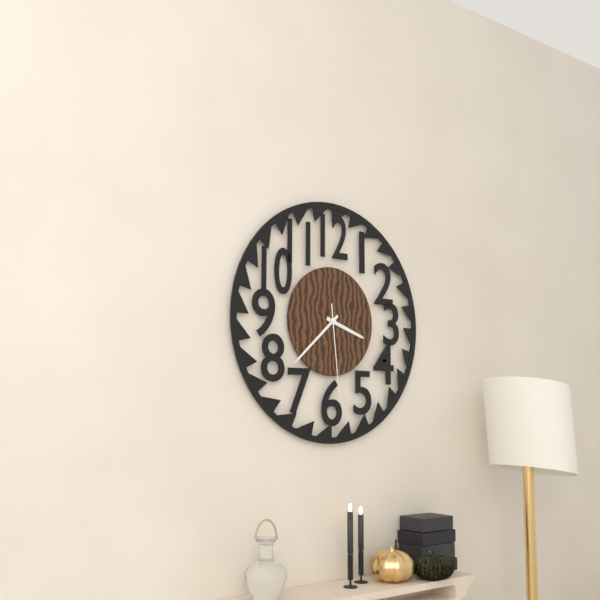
3:38:29
